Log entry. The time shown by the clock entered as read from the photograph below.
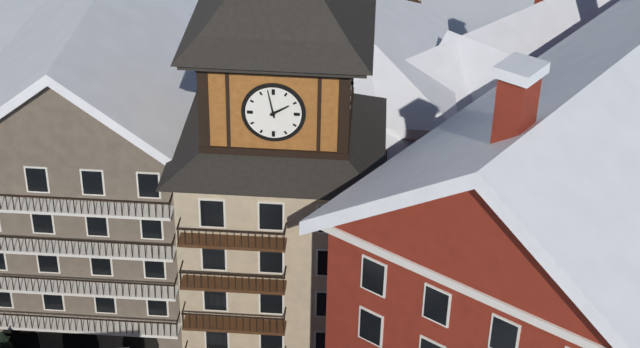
1:58
